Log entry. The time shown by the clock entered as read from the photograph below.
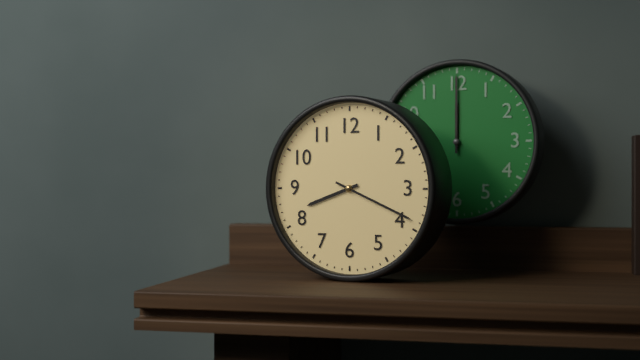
8:19
